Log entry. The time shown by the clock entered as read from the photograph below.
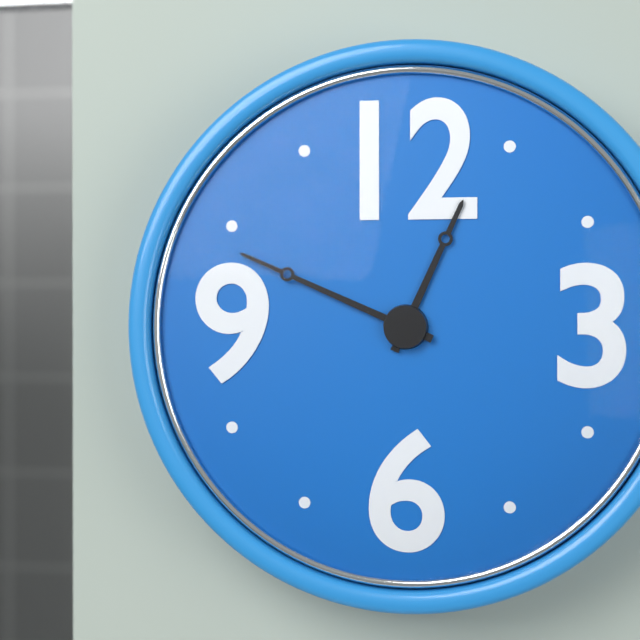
12:49
